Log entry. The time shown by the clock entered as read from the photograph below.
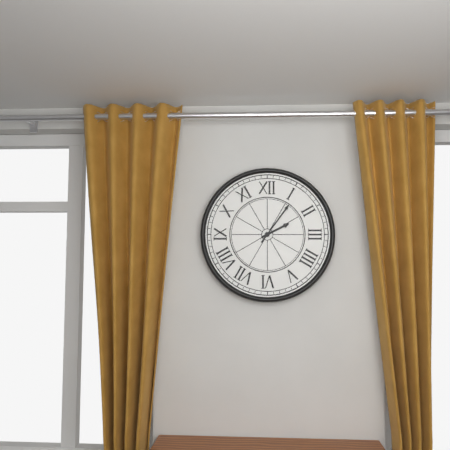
2:06
